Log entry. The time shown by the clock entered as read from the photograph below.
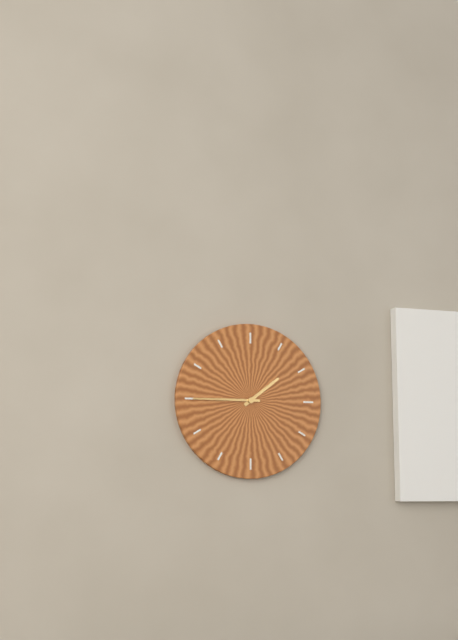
1:45
